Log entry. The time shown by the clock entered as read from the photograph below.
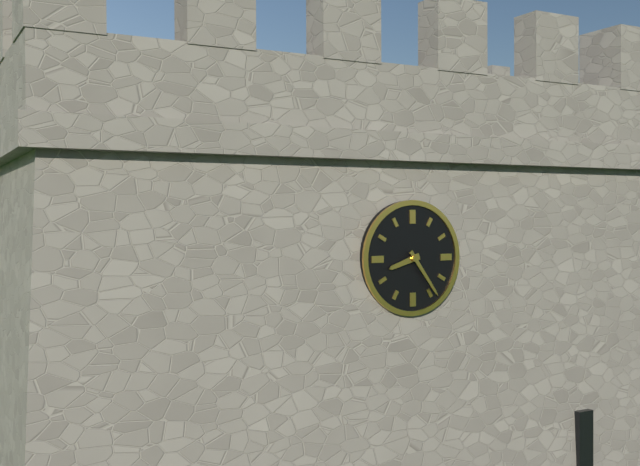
8:24
